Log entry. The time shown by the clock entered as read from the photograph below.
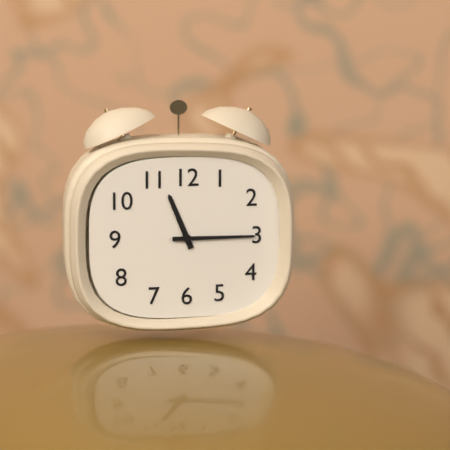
11:15
